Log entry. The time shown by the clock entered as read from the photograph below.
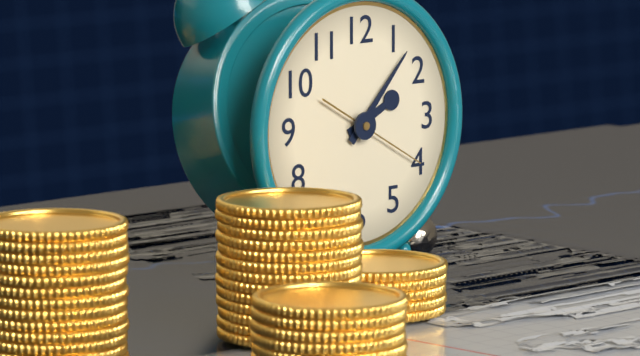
2:07:20
